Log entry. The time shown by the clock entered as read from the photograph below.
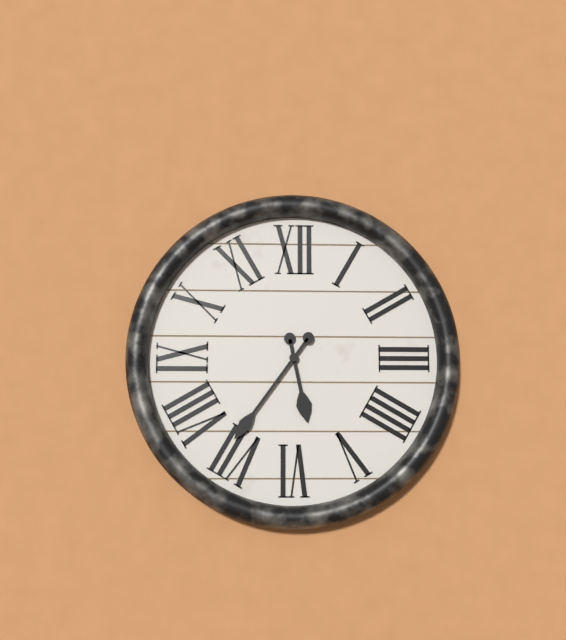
5:36
